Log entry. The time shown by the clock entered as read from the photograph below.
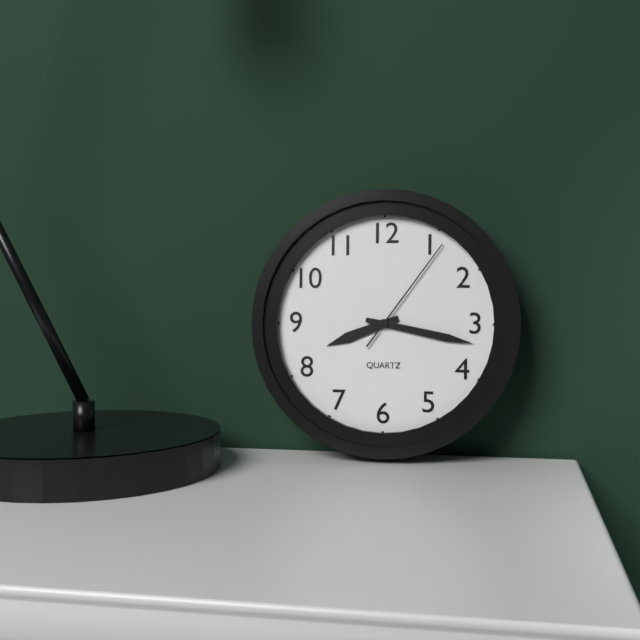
8:17:06
